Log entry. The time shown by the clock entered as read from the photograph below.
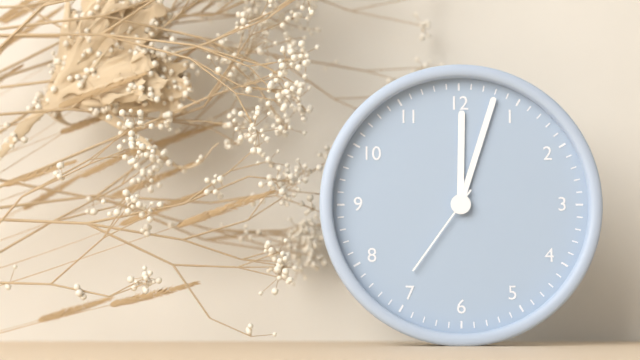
12:03:36
